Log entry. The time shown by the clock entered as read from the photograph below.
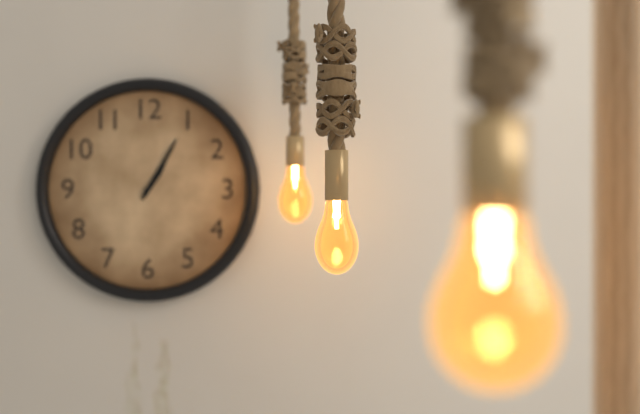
1:05
